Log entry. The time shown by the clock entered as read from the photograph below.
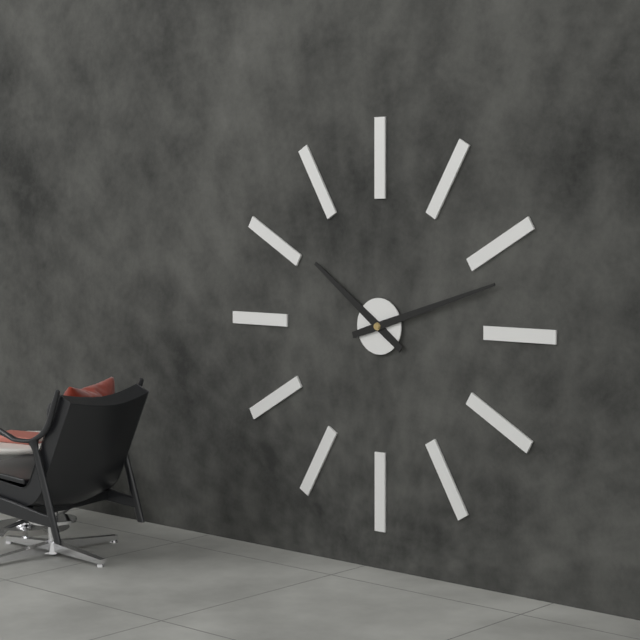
10:12
